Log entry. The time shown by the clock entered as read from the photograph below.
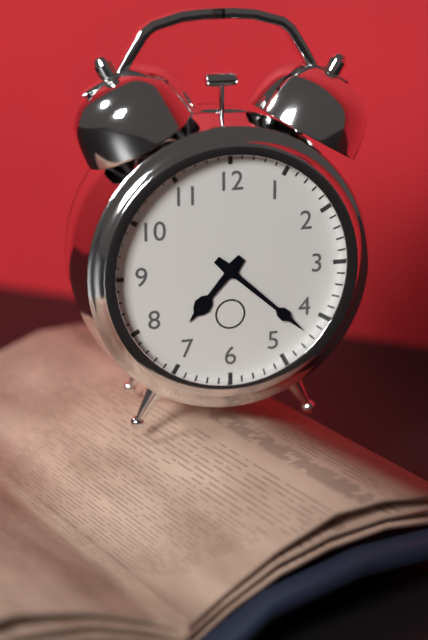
7:22
